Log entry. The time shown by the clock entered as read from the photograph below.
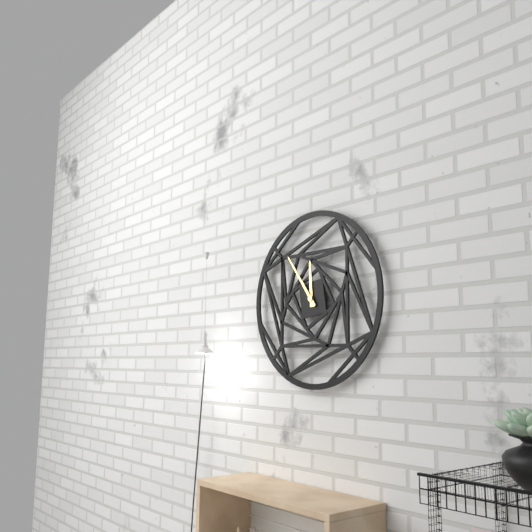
11:54
